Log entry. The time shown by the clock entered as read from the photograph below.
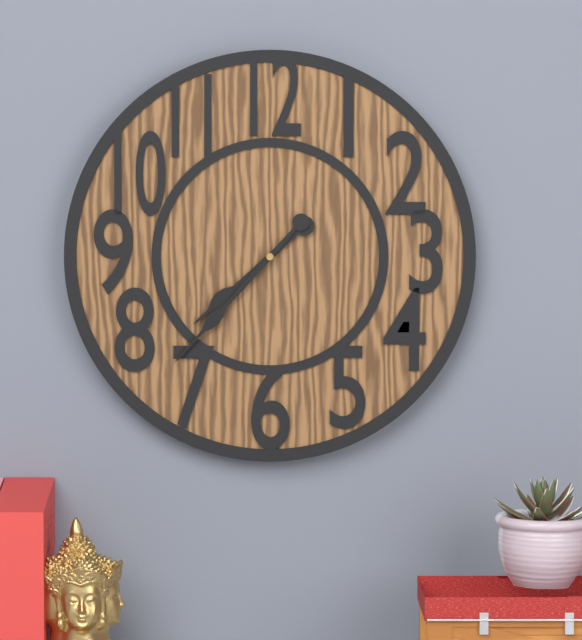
7:37
